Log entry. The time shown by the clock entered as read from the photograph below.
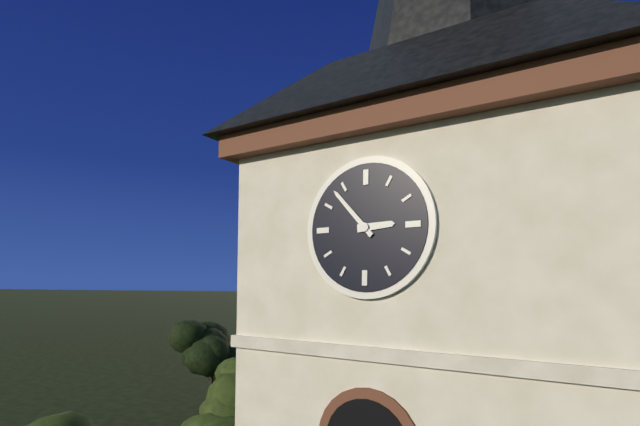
2:53
